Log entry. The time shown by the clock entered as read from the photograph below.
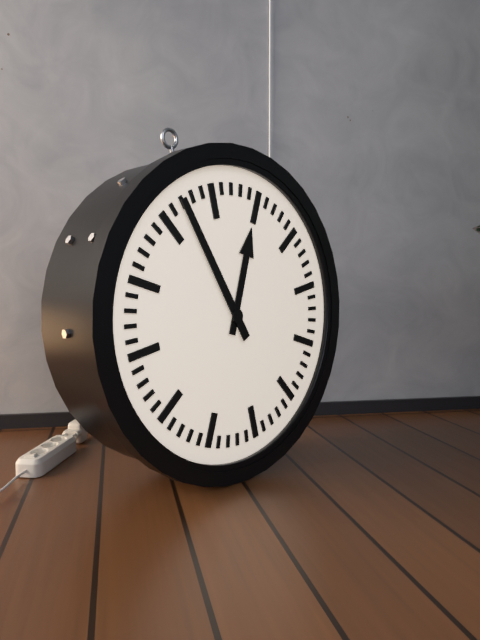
12:57
